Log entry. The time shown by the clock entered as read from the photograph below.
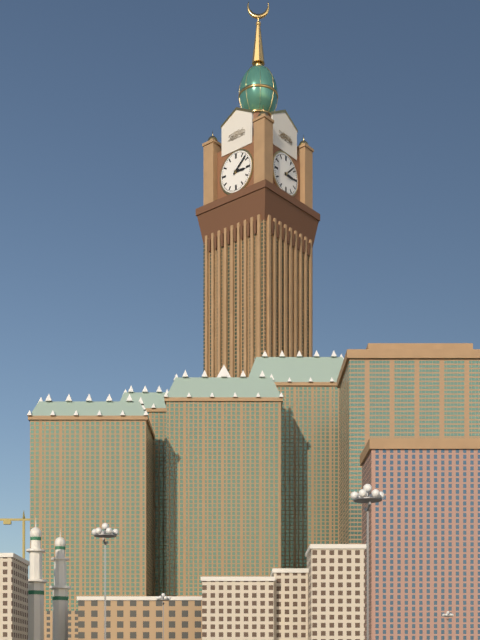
3:08
